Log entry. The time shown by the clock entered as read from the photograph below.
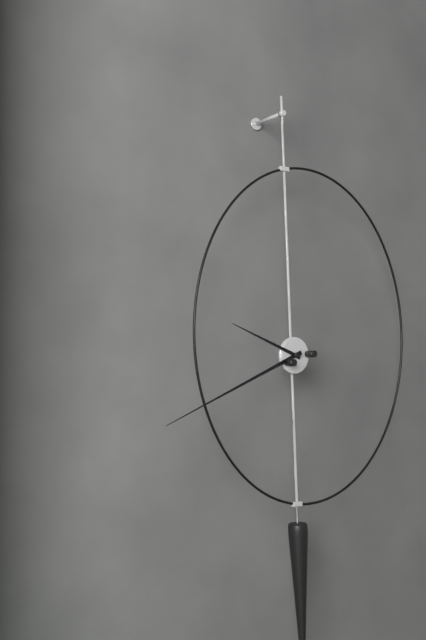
9:41
